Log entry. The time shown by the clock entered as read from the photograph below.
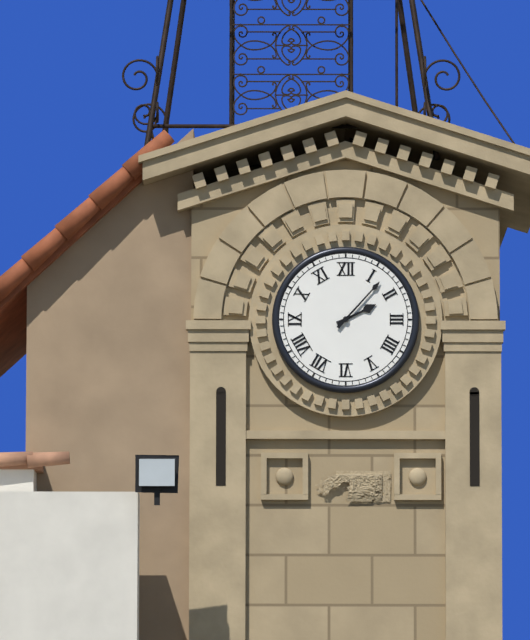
2:07
